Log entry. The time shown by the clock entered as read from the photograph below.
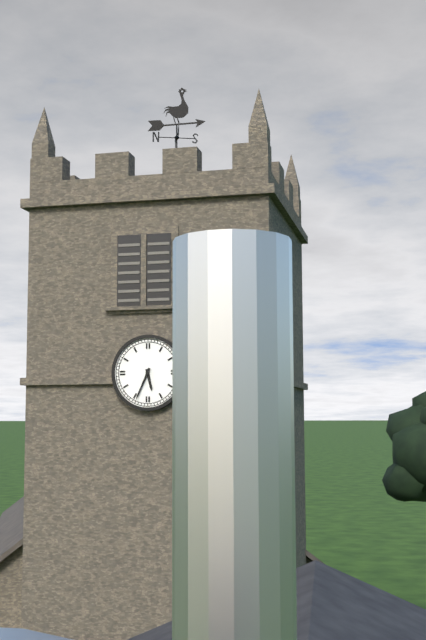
5:34
